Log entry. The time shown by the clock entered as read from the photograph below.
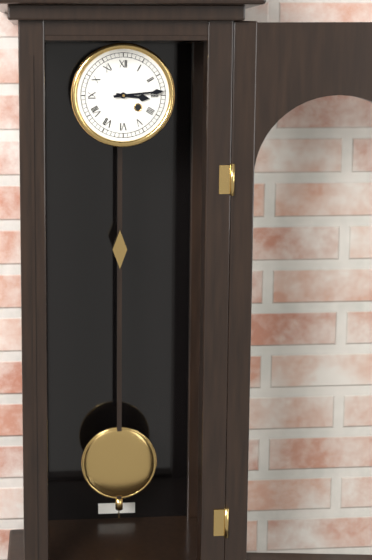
3:14
